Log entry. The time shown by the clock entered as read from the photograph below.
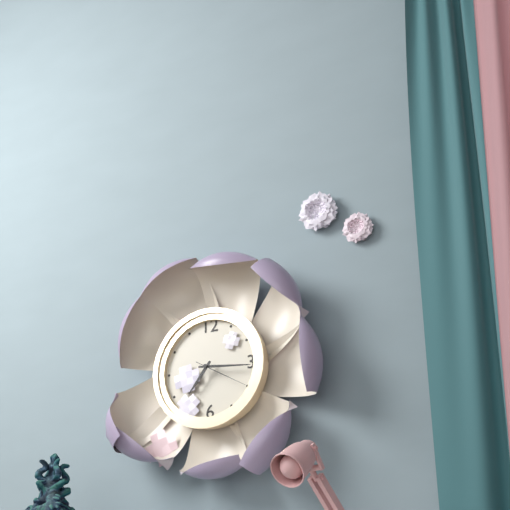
7:16:20
